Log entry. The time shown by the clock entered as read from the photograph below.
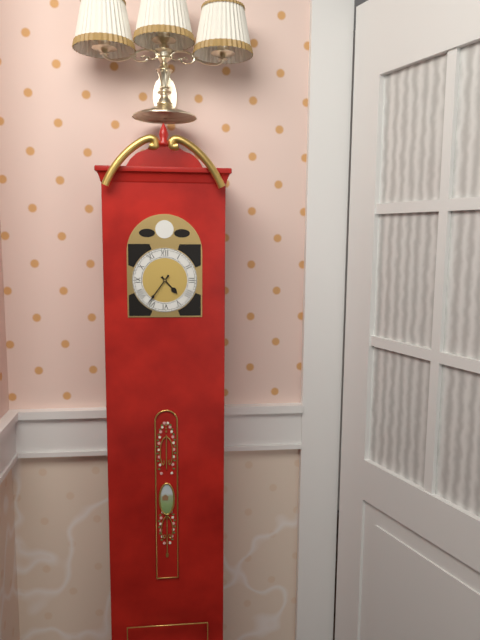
4:36
